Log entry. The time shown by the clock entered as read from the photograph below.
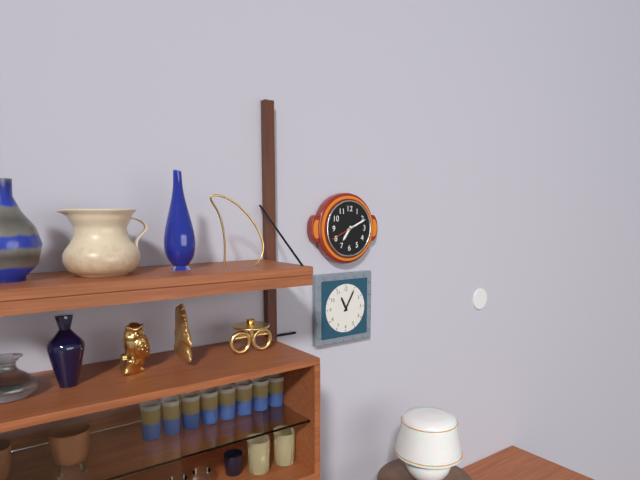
7:11
